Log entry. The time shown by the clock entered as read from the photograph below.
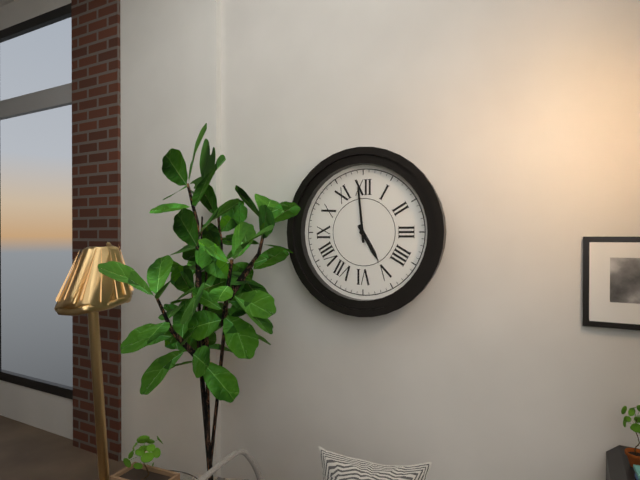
4:59
